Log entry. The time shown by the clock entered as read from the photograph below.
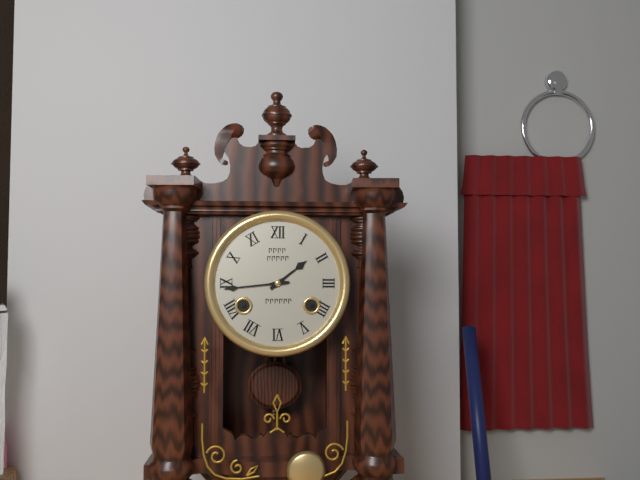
1:44
